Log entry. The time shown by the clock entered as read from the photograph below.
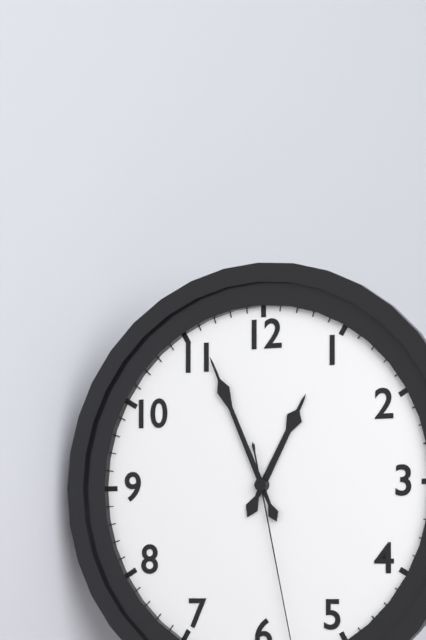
12:56
